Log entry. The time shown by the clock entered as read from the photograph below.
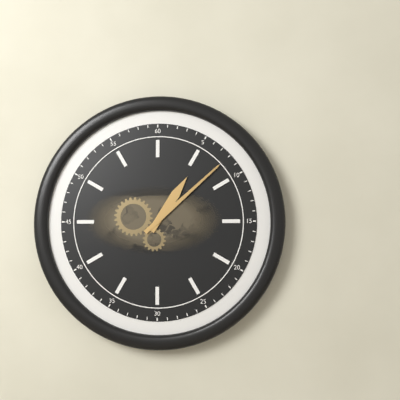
1:08
